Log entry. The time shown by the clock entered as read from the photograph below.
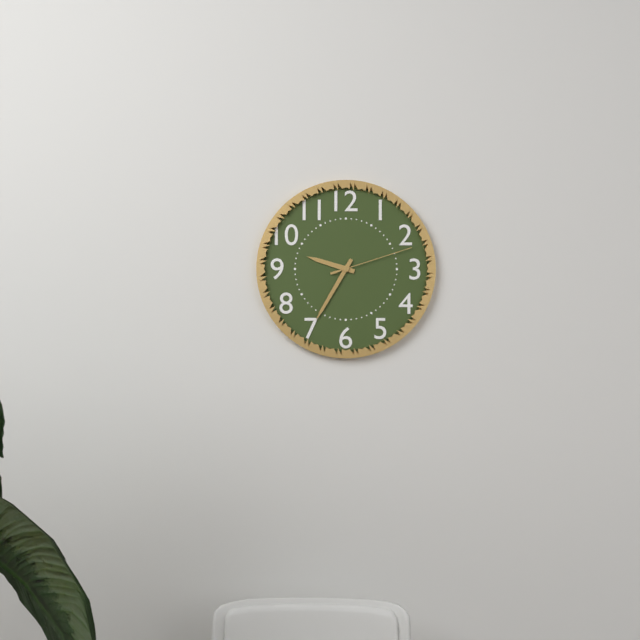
9:35:12
